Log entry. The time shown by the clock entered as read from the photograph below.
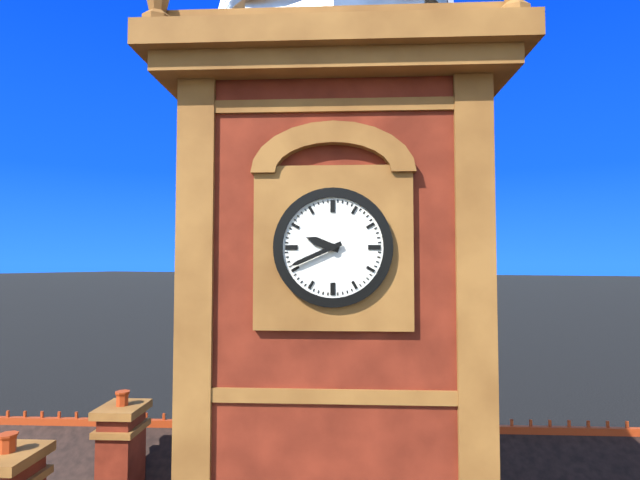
9:41
